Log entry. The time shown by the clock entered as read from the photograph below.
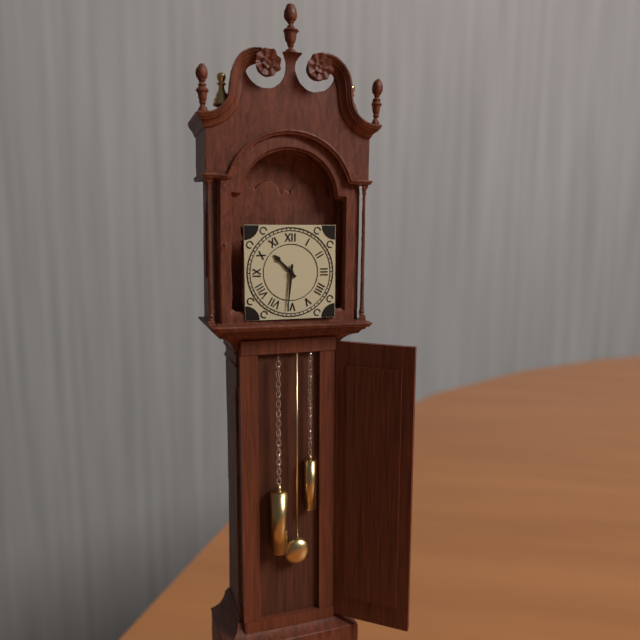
10:31
